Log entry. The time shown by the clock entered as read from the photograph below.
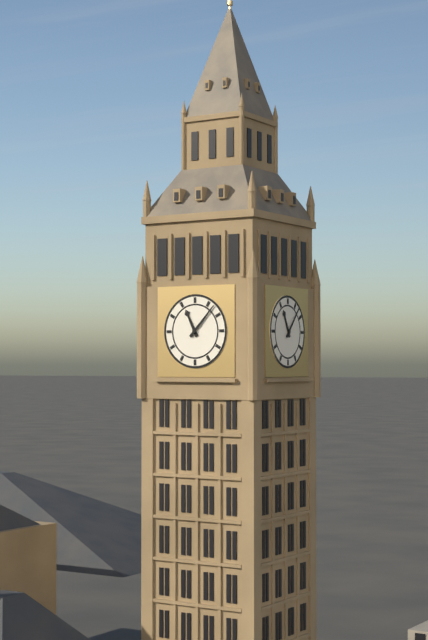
11:07
